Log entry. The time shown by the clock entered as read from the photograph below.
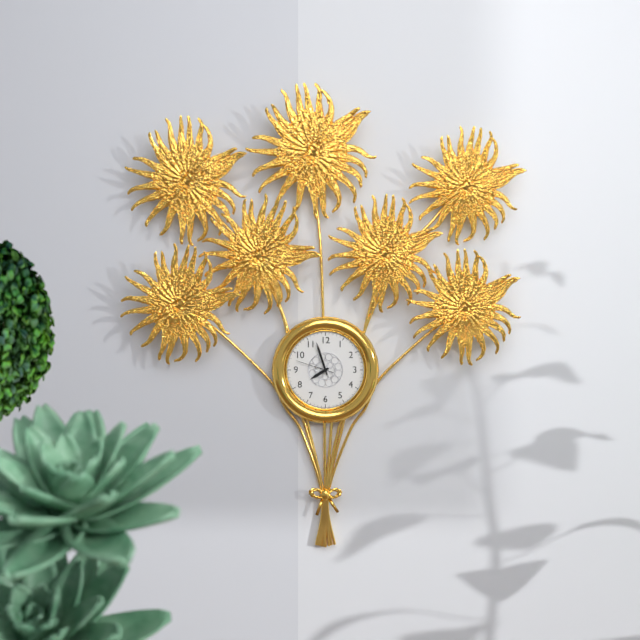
7:57
